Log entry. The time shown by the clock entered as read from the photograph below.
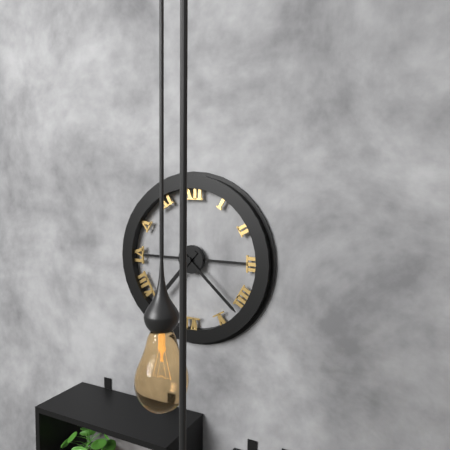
7:22
